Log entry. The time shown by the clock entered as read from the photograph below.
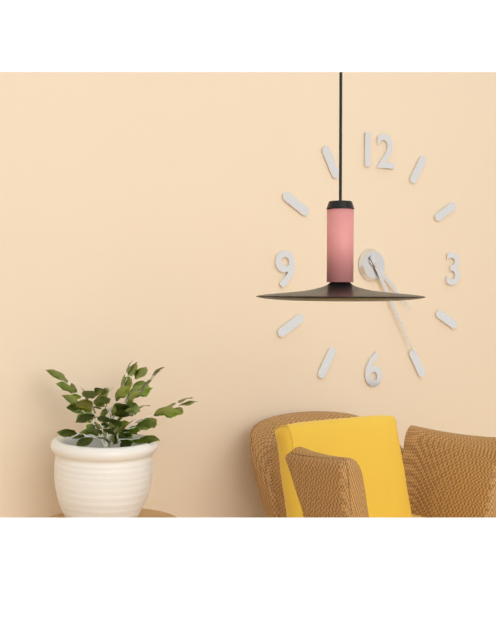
4:25
